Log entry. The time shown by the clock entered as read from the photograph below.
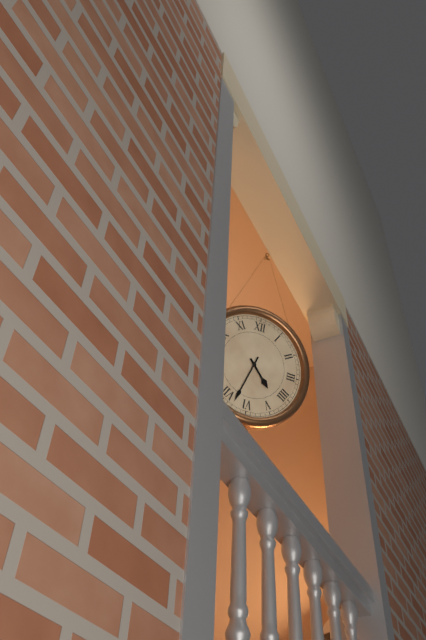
4:33
